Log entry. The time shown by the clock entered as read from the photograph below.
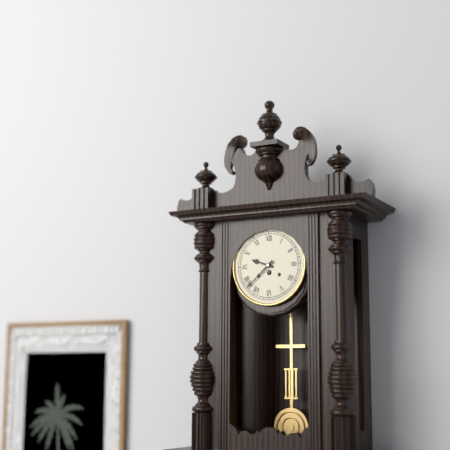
9:38
